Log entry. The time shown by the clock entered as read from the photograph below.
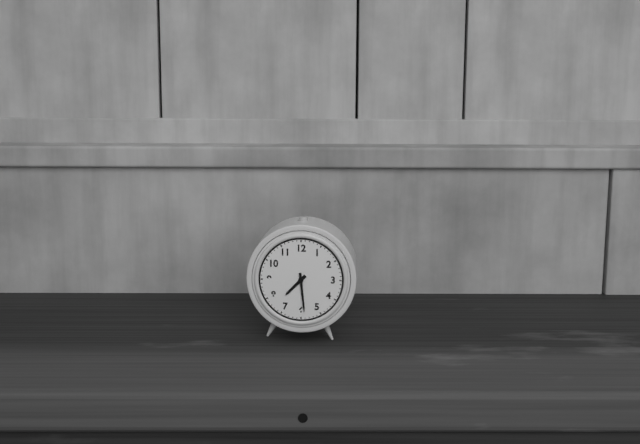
7:29
